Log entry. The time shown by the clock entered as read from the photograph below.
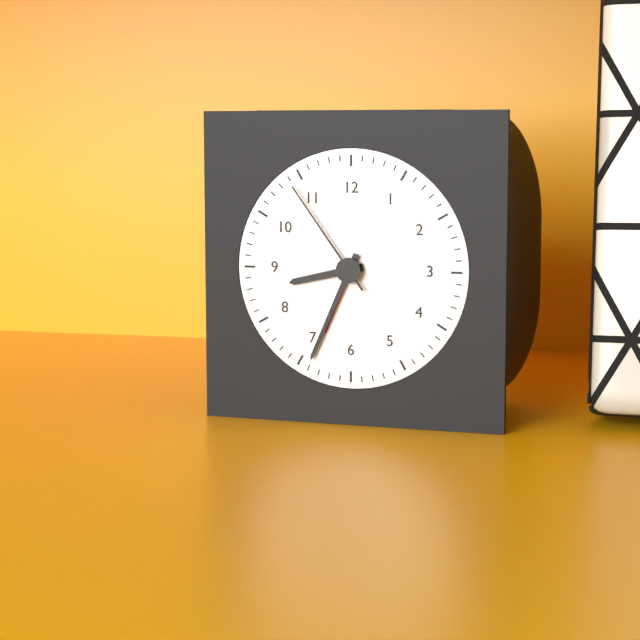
8:34:54
